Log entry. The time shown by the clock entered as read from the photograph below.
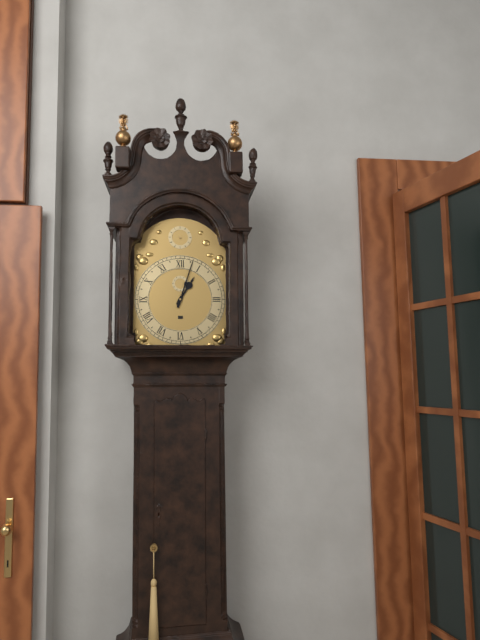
1:03
